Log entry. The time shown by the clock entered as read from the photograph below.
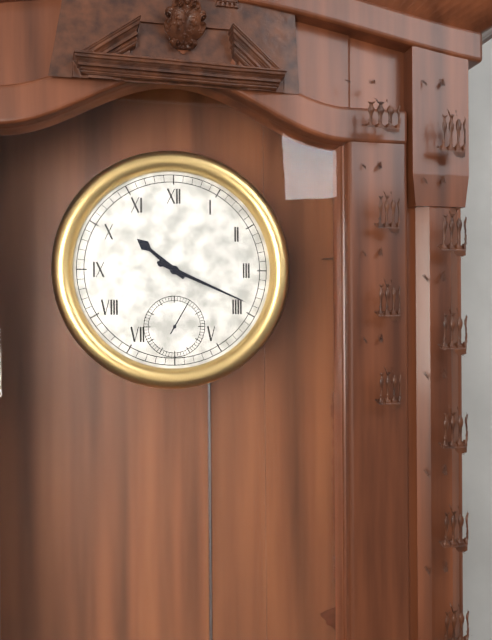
10:19
